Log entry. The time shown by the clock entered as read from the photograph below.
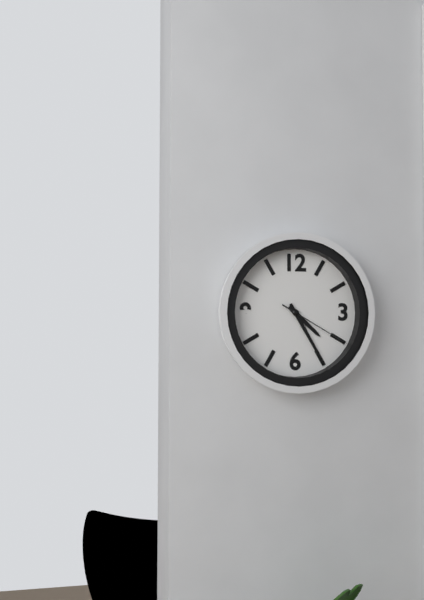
4:25:20
